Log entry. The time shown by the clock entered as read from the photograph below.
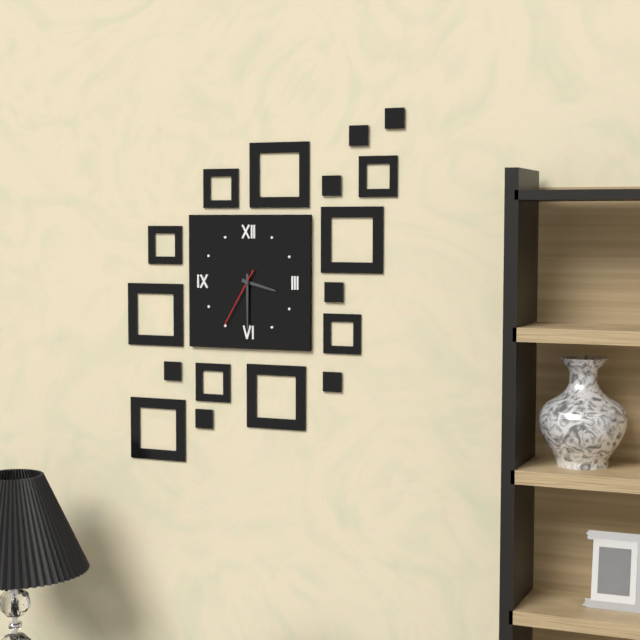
3:30:35
